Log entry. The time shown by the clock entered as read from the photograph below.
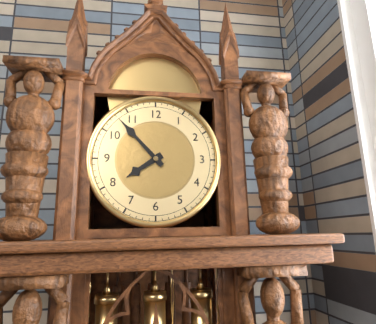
7:53
